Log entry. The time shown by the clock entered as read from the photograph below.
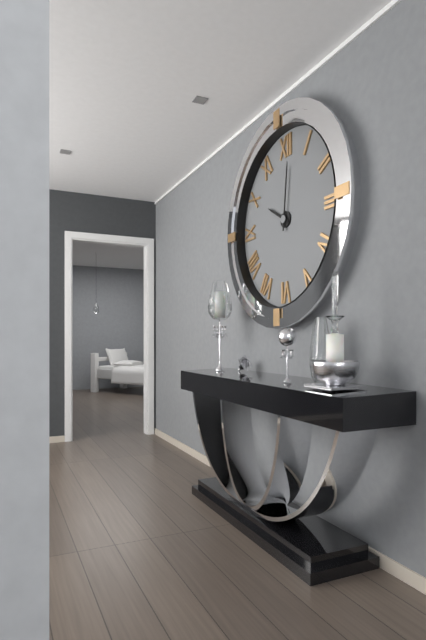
10:01
